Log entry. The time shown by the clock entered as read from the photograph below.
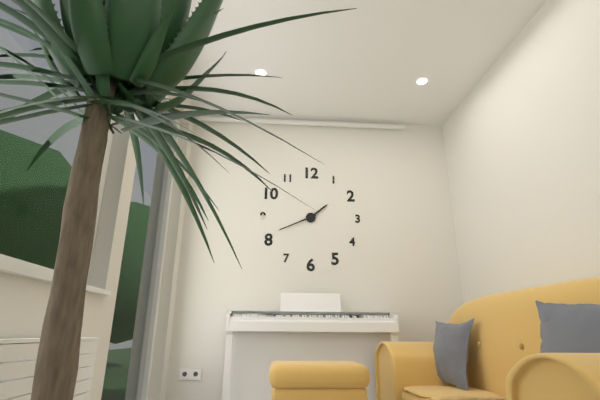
1:41
